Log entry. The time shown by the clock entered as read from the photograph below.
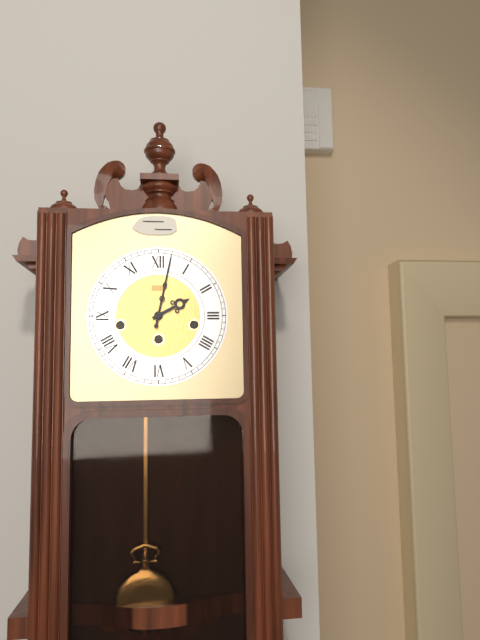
2:02
